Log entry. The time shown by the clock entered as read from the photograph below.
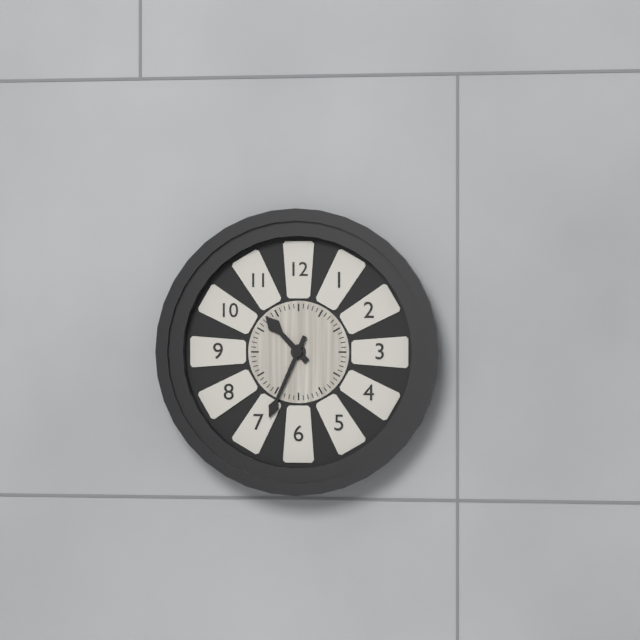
10:34
